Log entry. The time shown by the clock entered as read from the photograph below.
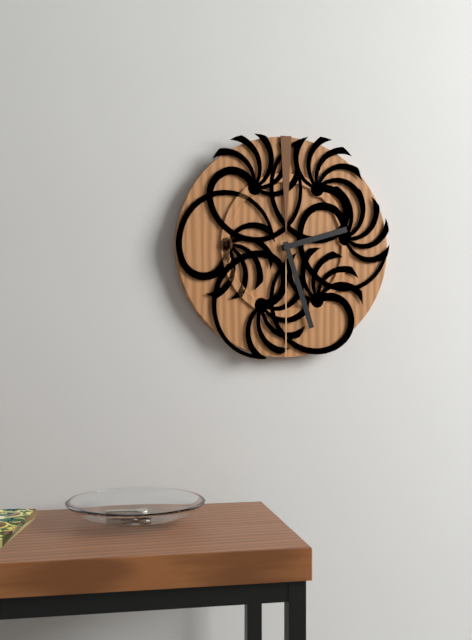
2:27
